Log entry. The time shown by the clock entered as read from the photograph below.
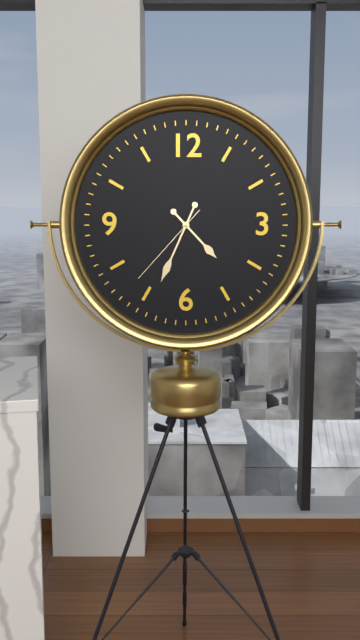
4:34:37
